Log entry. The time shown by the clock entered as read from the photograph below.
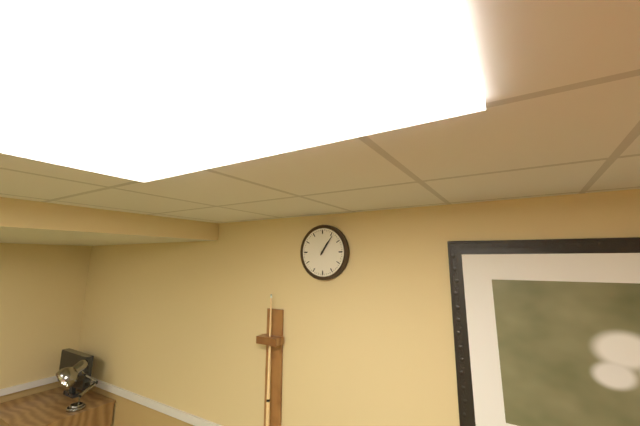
1:06
